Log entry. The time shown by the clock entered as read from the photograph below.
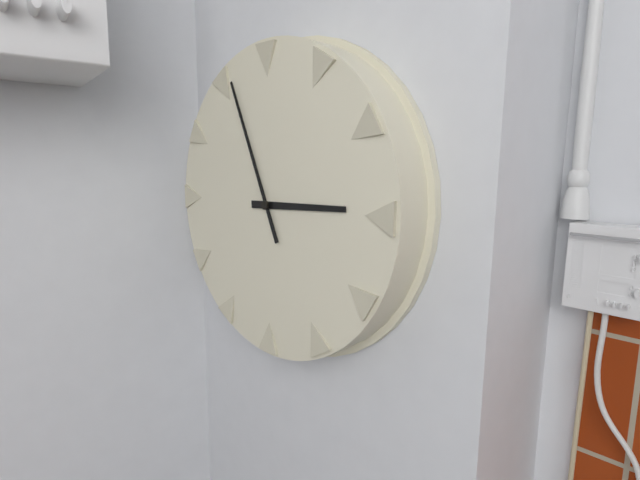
2:56
